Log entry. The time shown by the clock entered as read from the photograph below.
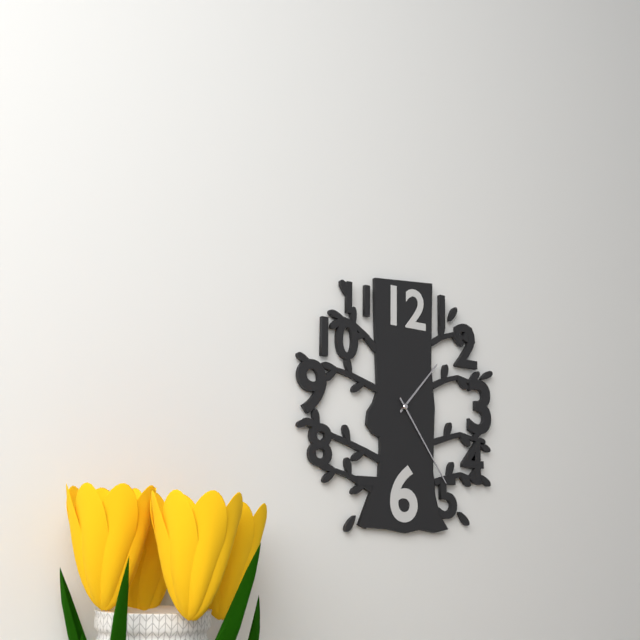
1:24
